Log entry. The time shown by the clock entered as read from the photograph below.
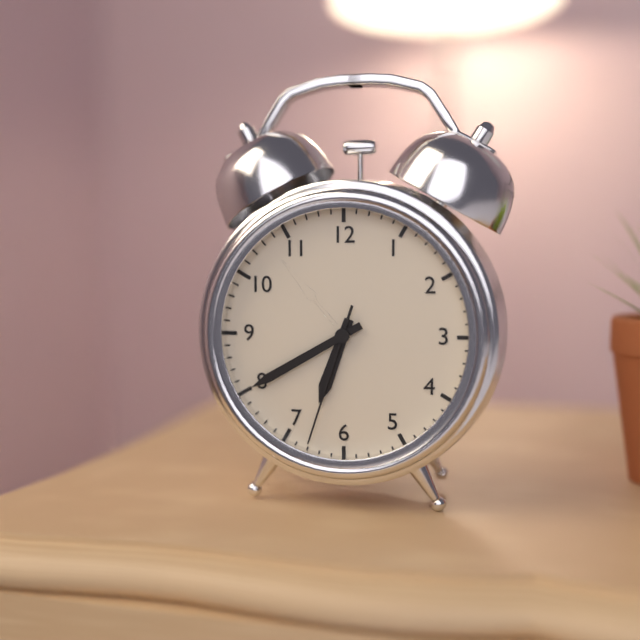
6:40:33
